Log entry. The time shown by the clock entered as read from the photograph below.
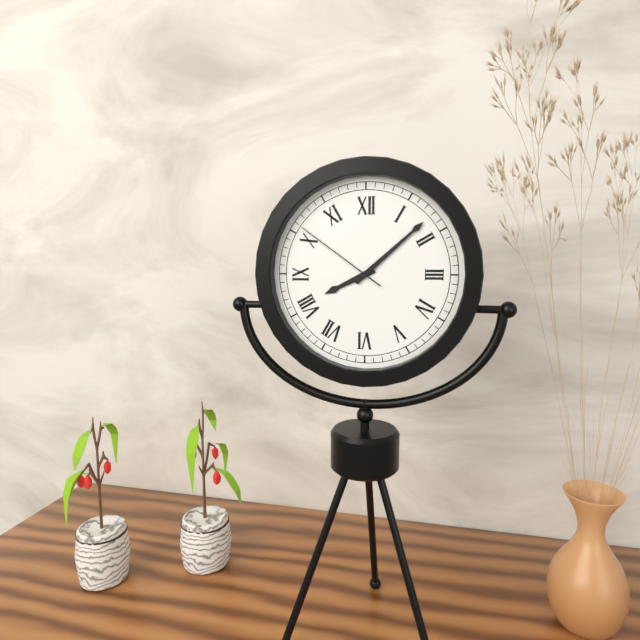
8:08:51
